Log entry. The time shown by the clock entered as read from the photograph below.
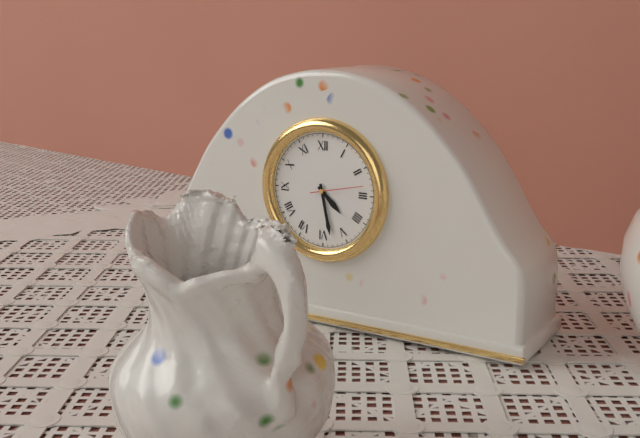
4:28:13
